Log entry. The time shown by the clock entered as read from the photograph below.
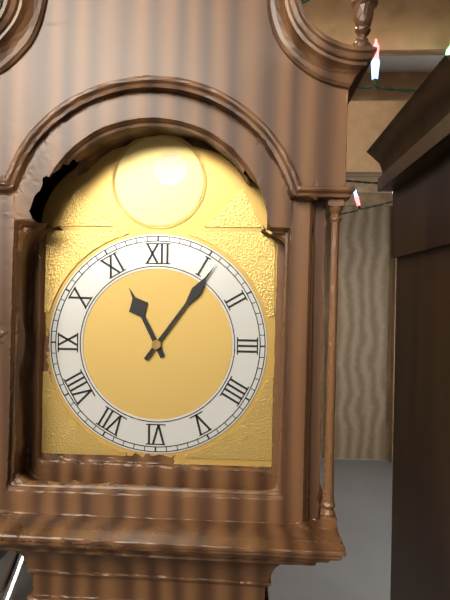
11:06
